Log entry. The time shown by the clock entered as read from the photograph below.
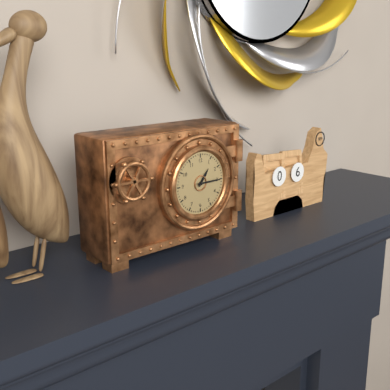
1:15
